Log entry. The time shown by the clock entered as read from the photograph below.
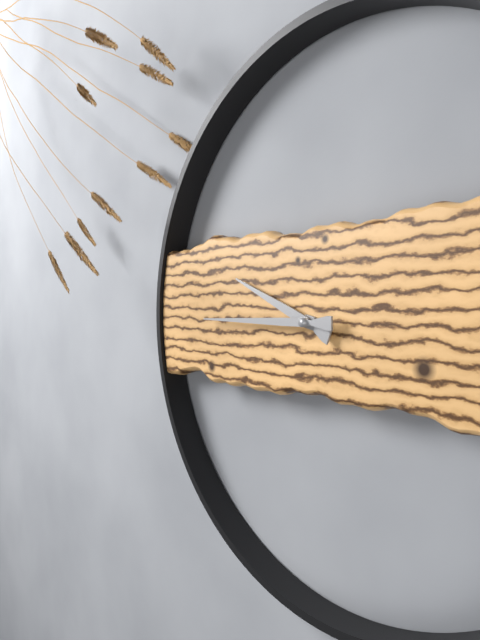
9:45
